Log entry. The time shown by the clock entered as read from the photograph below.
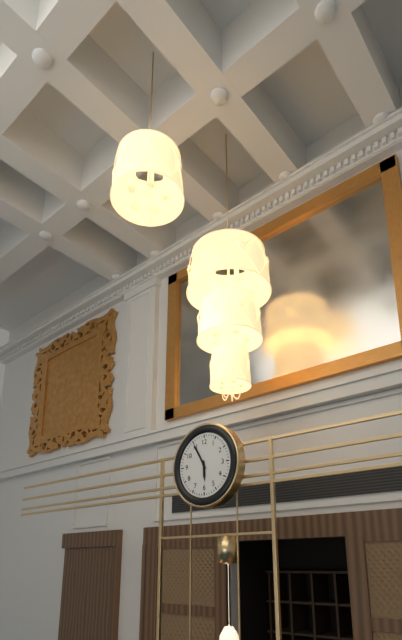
5:55
